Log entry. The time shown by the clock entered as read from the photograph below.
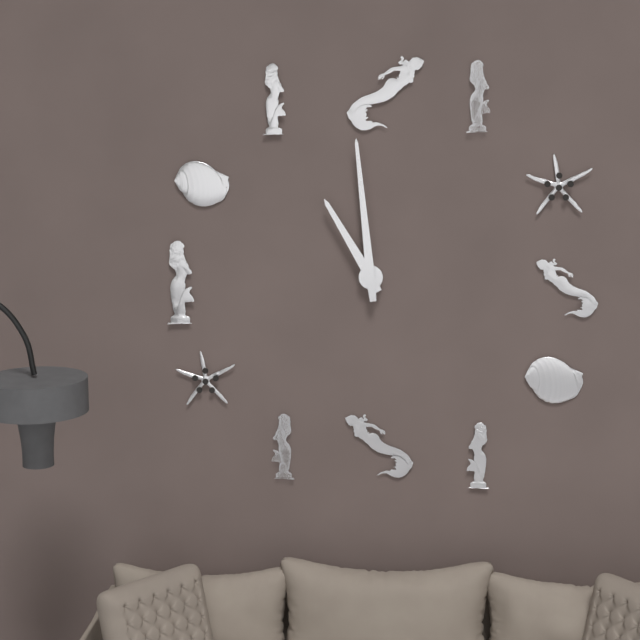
10:59
